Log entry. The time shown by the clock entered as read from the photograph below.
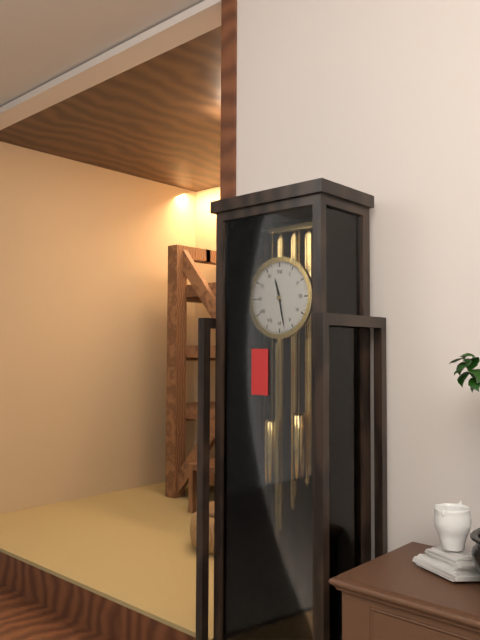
11:28
